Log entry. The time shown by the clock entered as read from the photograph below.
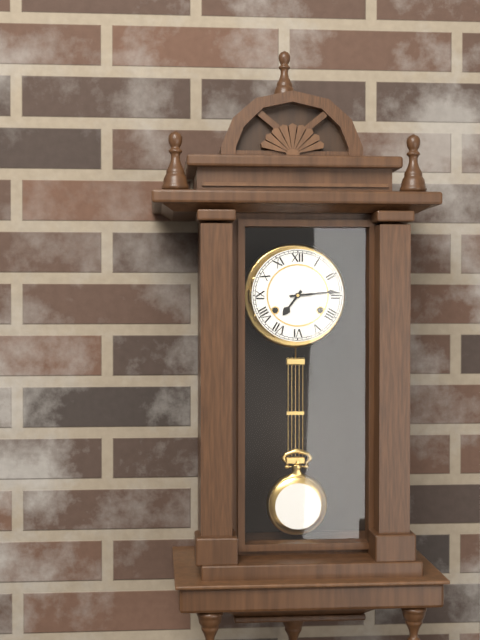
7:14
